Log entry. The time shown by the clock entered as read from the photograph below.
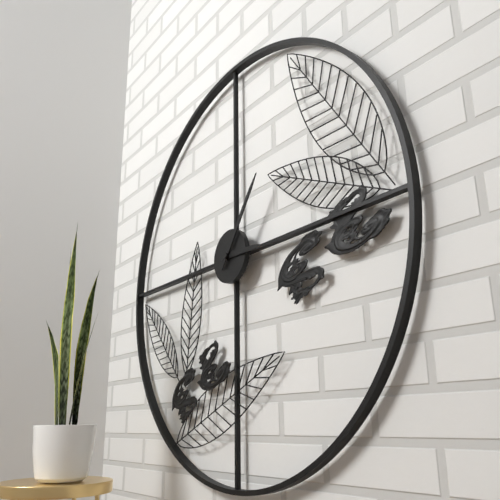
3:06
